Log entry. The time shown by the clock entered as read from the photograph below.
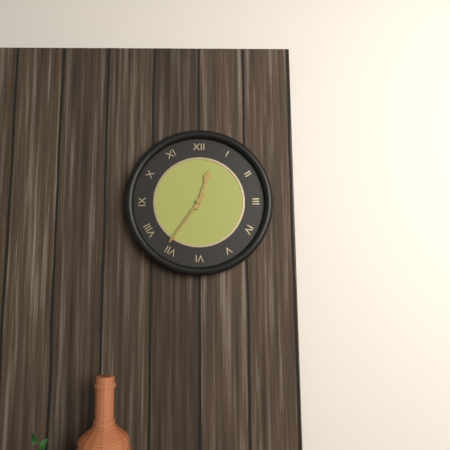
12:36
